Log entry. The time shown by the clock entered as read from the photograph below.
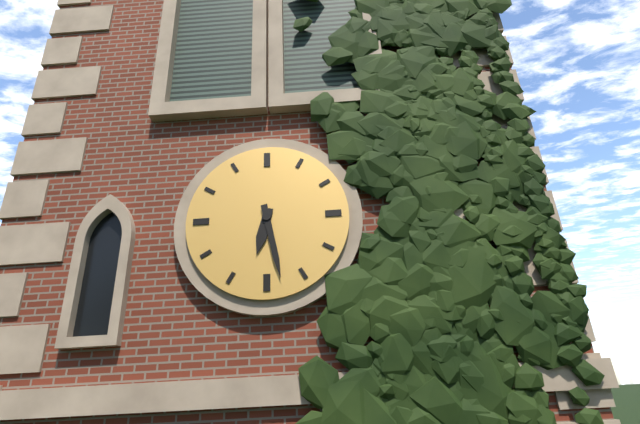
6:28
